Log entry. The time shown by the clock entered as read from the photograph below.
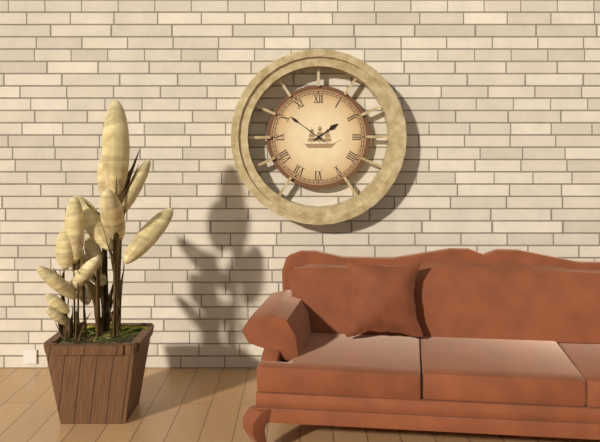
1:51
